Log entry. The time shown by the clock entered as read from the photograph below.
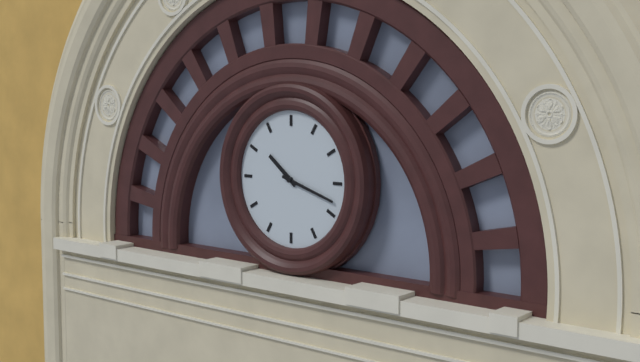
10:18
